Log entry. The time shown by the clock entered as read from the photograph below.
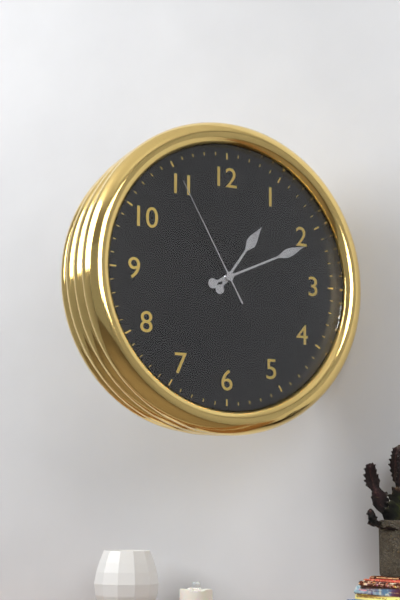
1:11:55
